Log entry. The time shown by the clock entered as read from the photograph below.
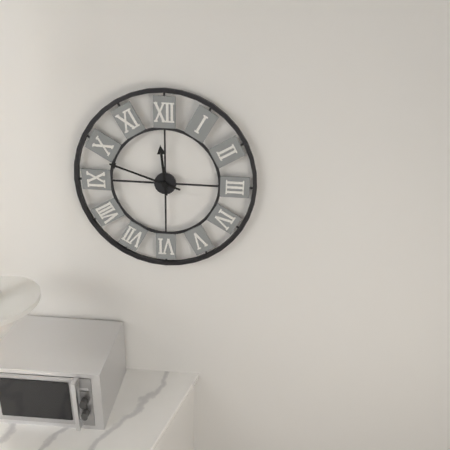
11:48
